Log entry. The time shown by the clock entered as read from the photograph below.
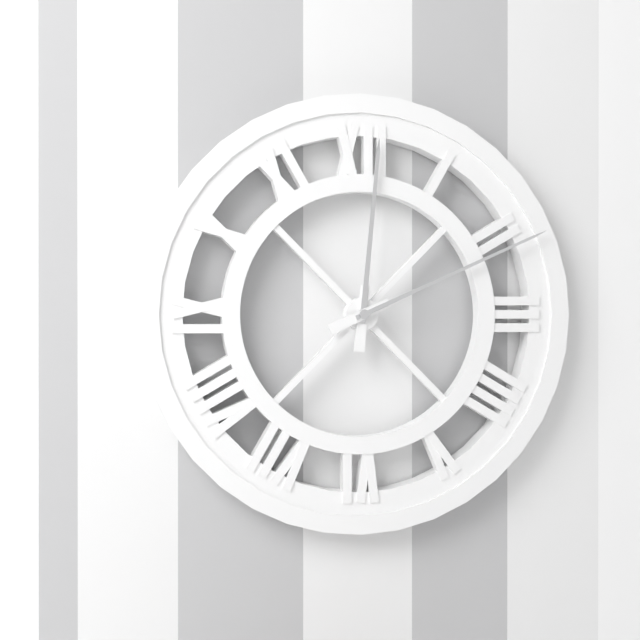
12:11
